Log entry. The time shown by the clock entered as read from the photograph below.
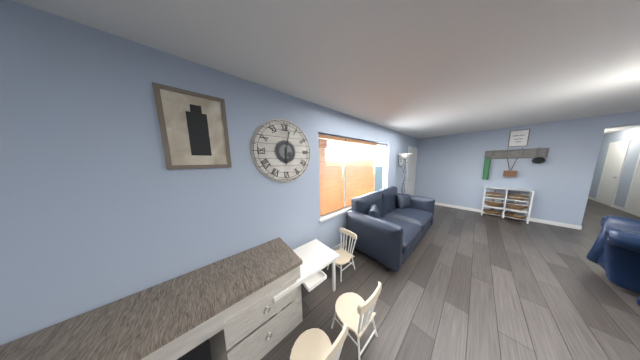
6:02
